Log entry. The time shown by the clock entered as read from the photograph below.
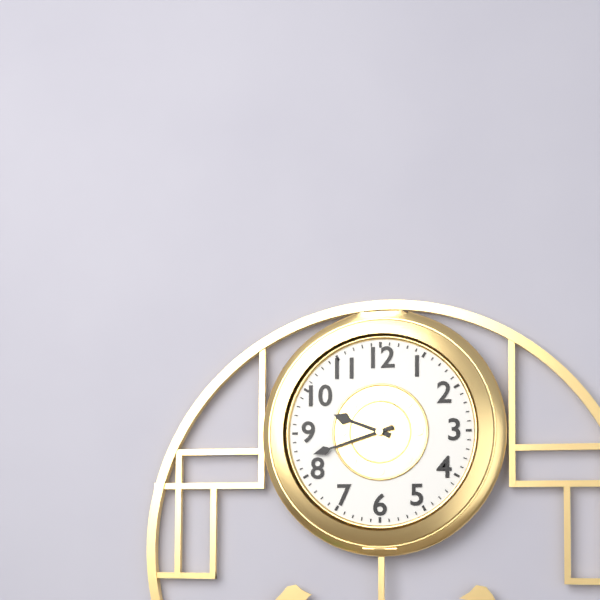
9:42
